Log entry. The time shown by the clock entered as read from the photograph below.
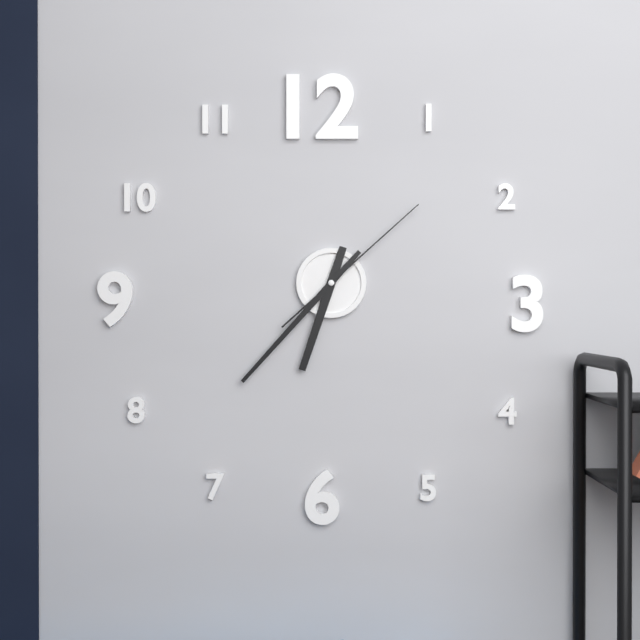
6:37:08
